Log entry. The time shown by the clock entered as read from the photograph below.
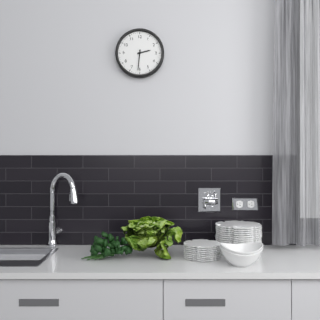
2:31
